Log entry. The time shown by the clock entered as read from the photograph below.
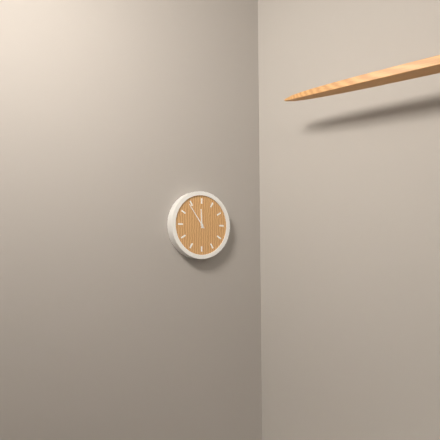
11:54
